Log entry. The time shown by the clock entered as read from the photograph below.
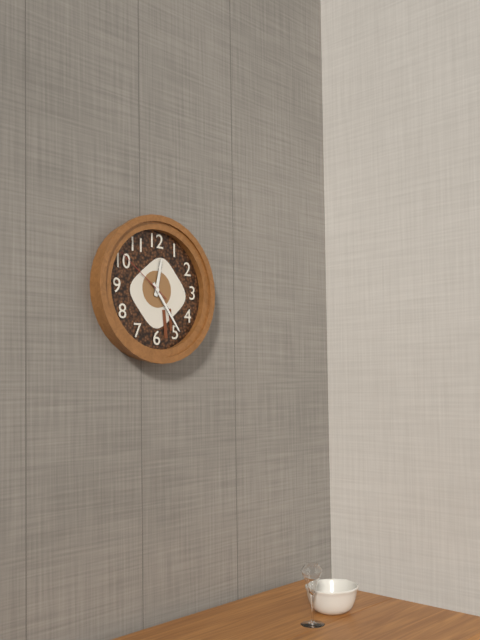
12:24:51
